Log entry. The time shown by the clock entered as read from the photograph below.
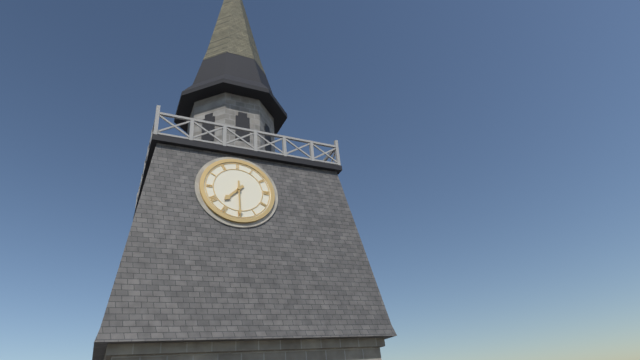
7:30
